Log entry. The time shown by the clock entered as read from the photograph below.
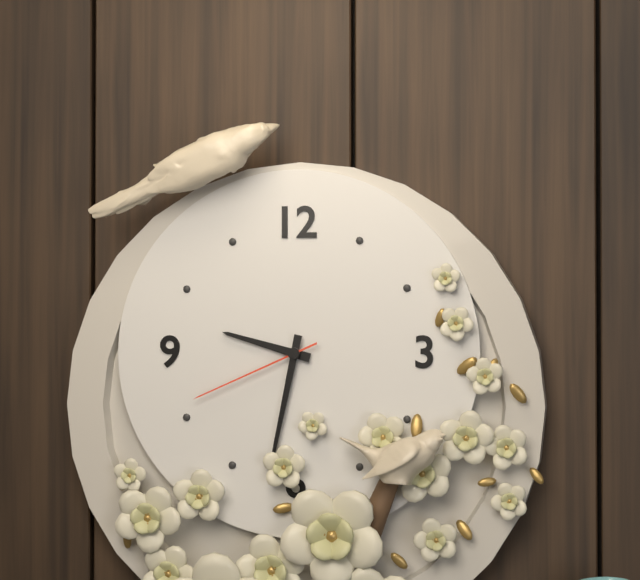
9:32:41
